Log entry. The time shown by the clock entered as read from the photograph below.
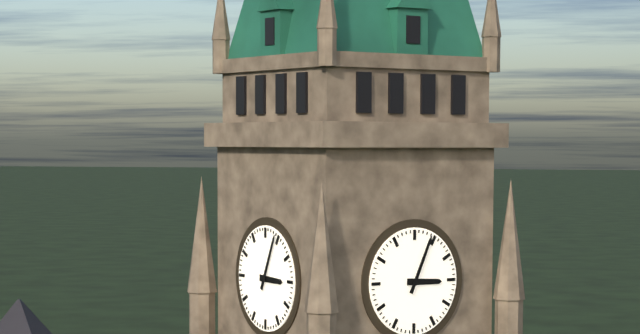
3:04
